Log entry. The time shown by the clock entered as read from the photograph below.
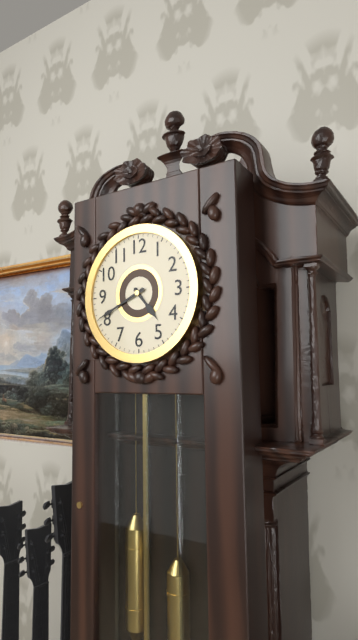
4:41
